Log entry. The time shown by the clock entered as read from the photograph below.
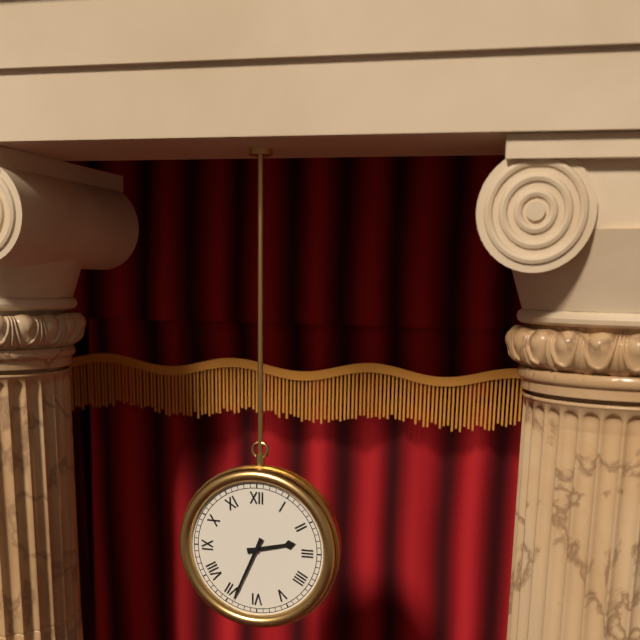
2:34
